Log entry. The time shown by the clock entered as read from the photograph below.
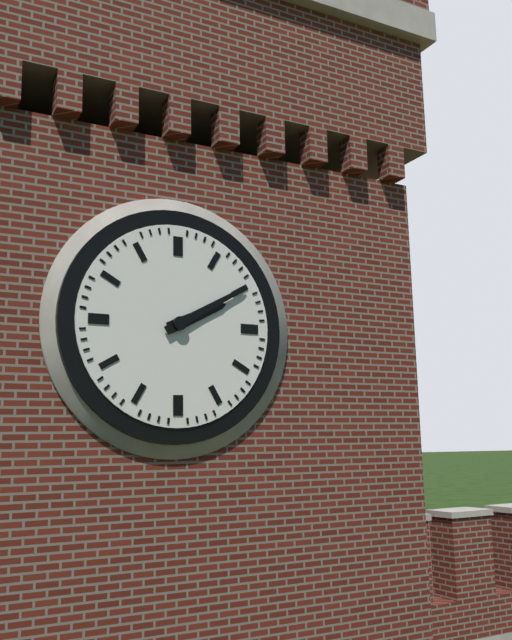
2:10
